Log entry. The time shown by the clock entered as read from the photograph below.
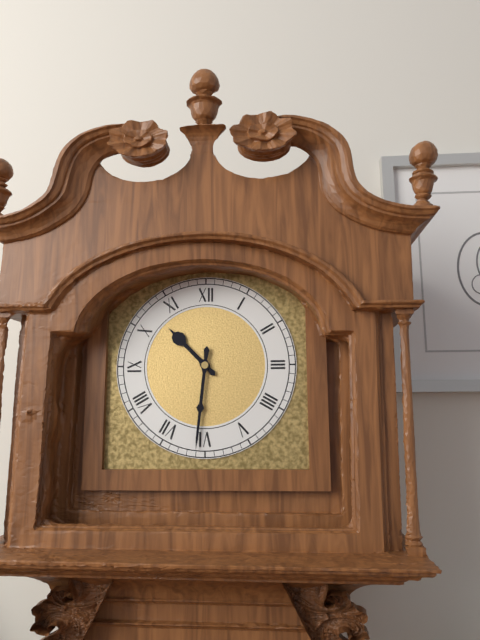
10:31
